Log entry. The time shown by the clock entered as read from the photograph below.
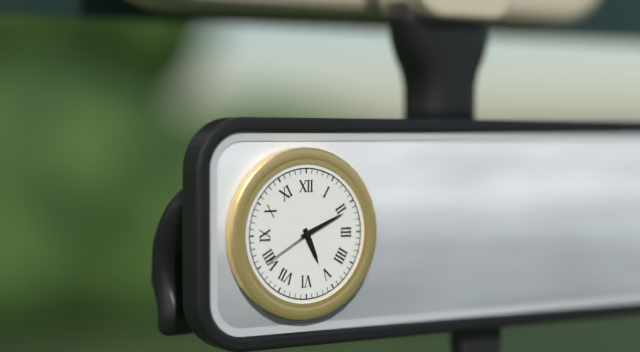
5:11:40
